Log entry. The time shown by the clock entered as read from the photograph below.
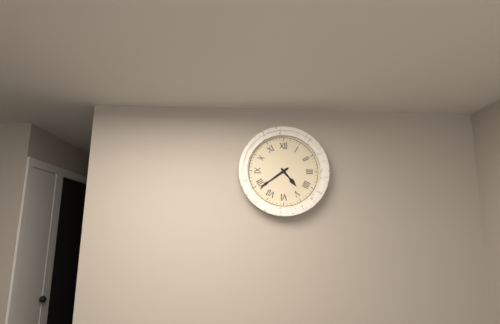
4:39
